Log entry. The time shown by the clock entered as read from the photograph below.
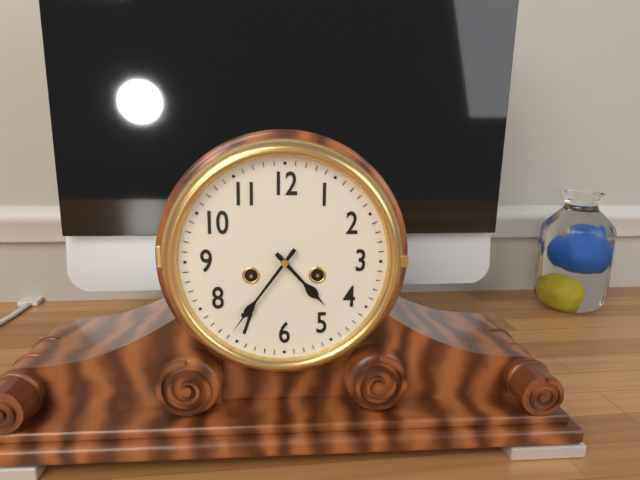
4:36
